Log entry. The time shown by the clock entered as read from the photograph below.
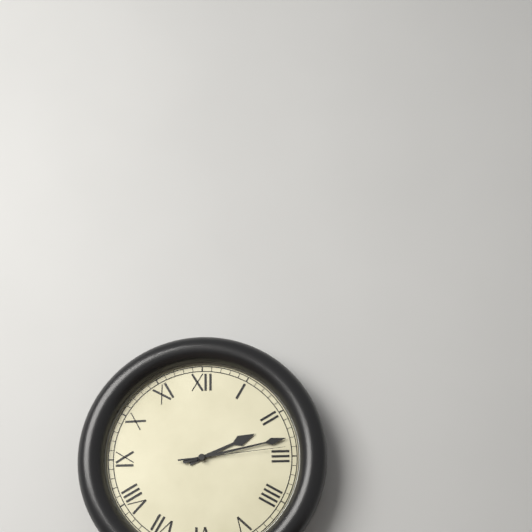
2:13:14
